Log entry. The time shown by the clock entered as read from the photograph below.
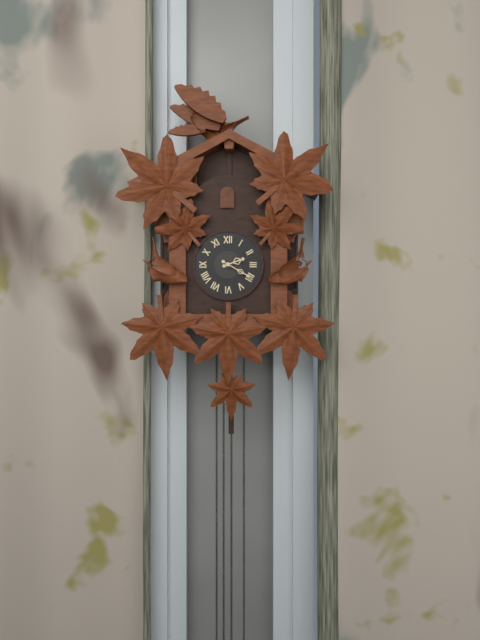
2:20
